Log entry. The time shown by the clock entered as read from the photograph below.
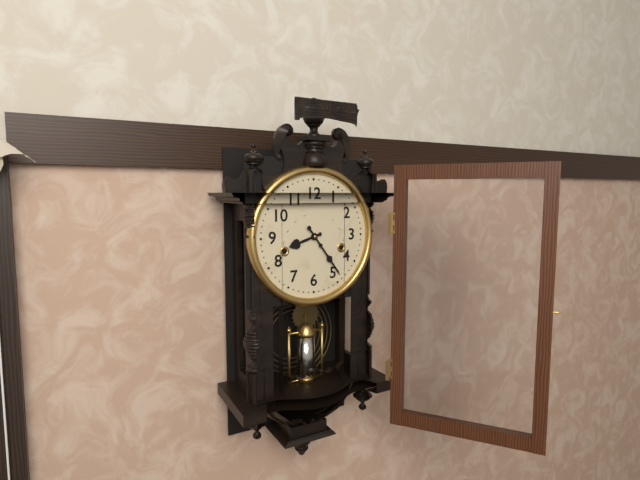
8:24
